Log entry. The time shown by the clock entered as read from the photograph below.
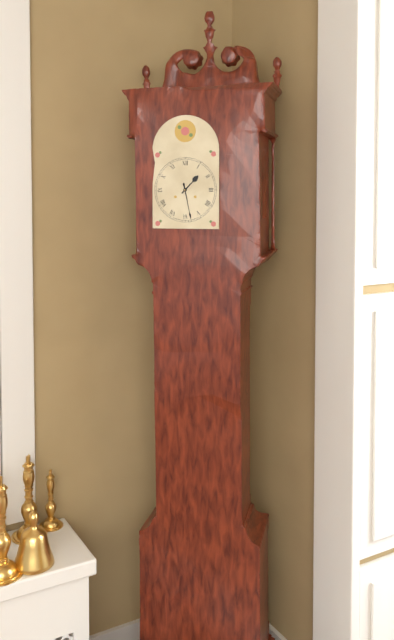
1:28
